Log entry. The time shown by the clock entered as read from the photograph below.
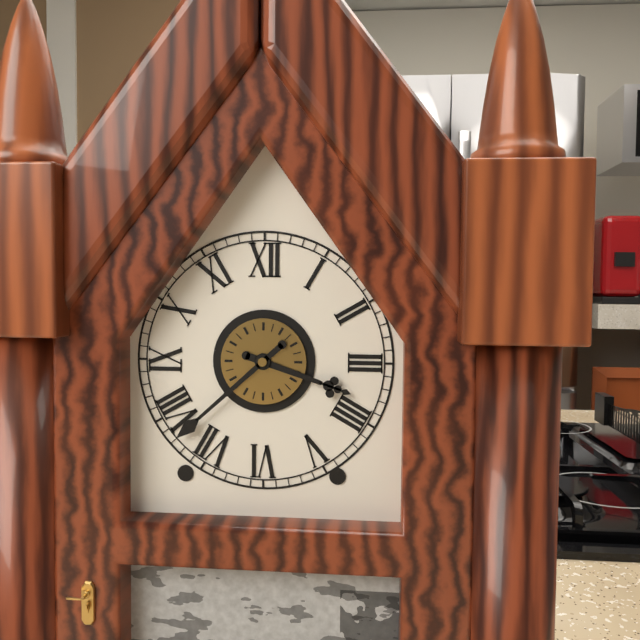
3:38
